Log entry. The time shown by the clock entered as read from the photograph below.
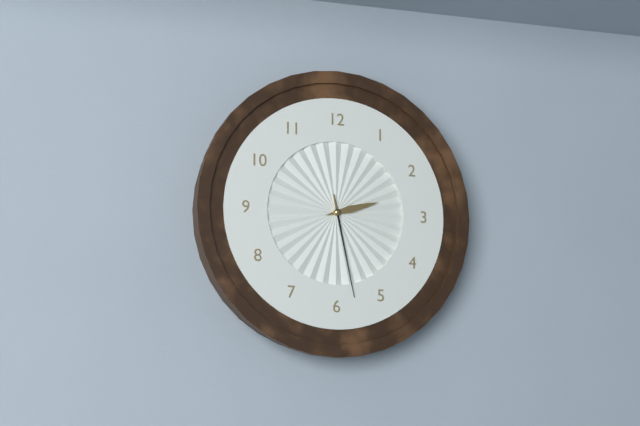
2:28
